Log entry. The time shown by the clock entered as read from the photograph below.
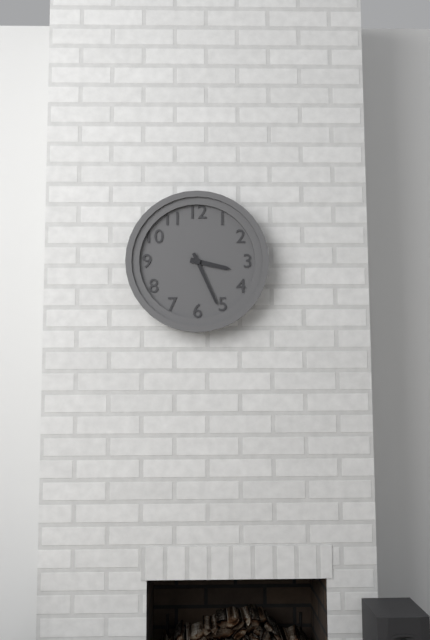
3:26
